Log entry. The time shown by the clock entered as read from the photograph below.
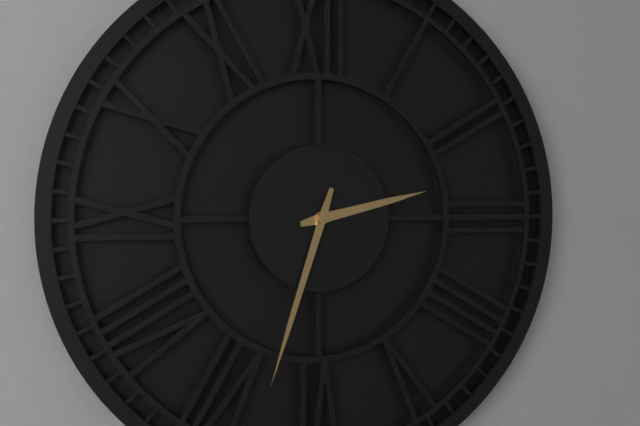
2:33
